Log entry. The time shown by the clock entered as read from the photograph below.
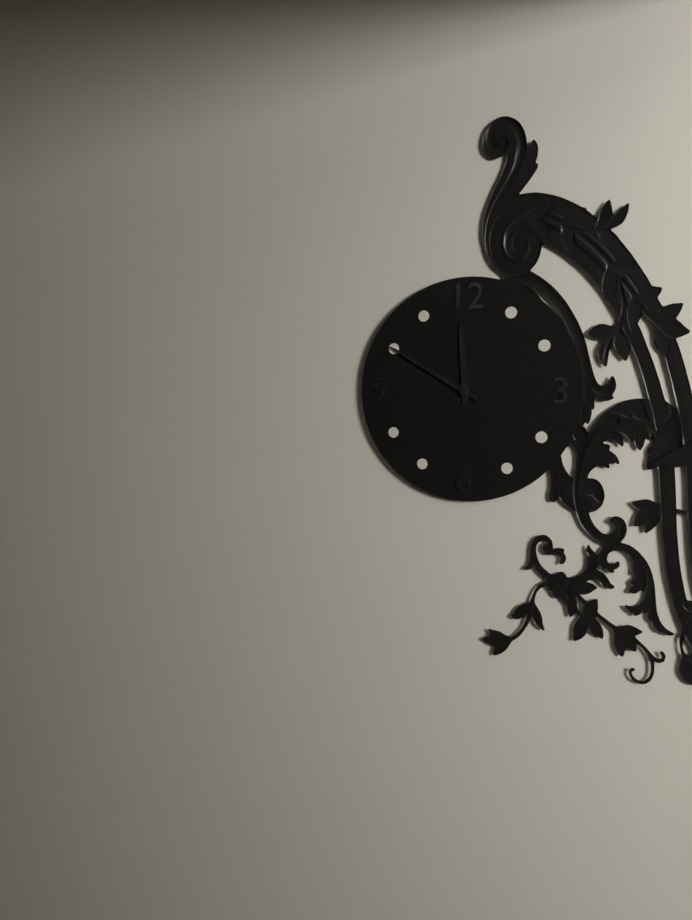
11:50
